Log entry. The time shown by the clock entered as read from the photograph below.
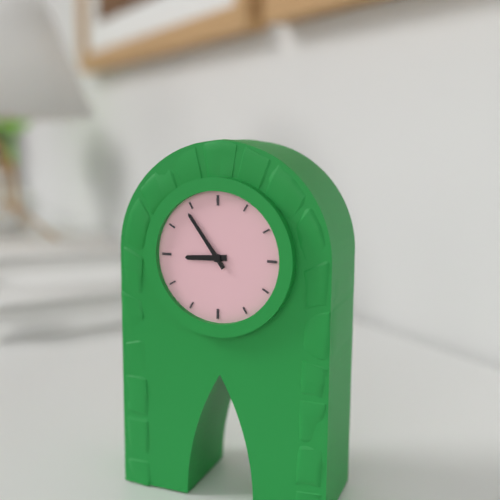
8:54
